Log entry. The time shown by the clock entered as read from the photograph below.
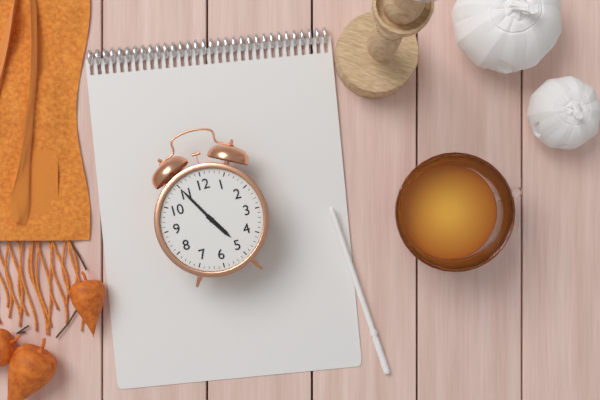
4:55
